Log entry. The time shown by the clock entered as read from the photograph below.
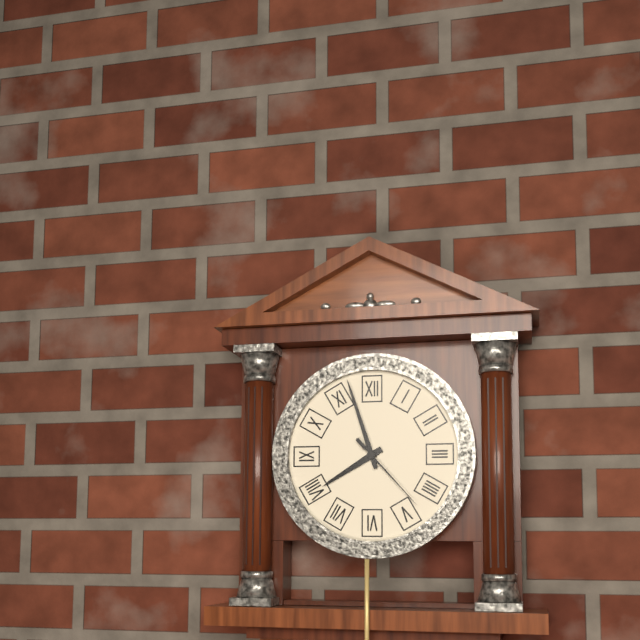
7:57:23
